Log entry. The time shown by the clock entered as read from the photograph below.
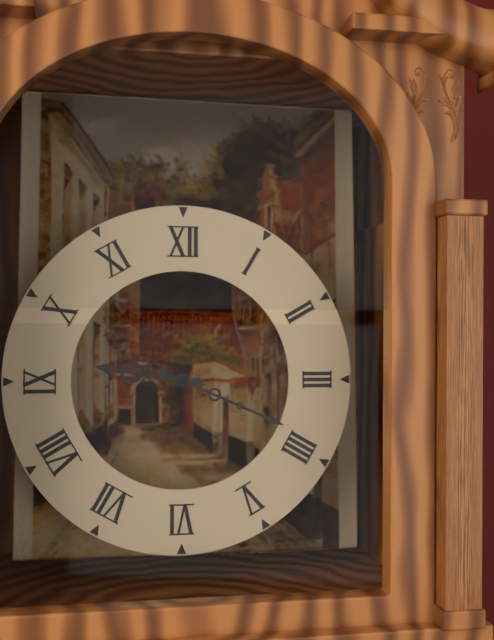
9:19
